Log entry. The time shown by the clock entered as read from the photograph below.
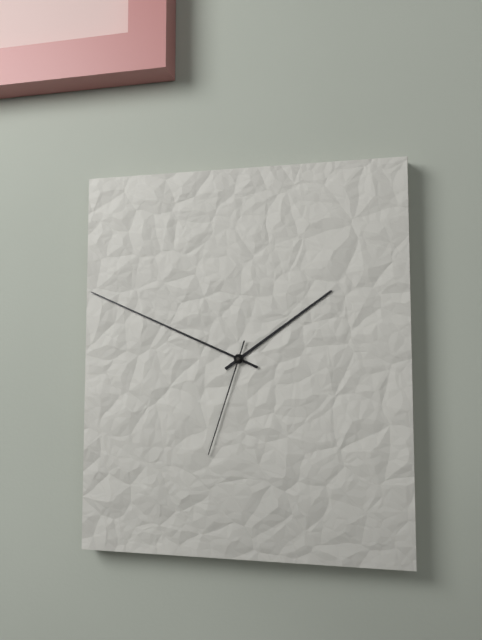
1:49:33
